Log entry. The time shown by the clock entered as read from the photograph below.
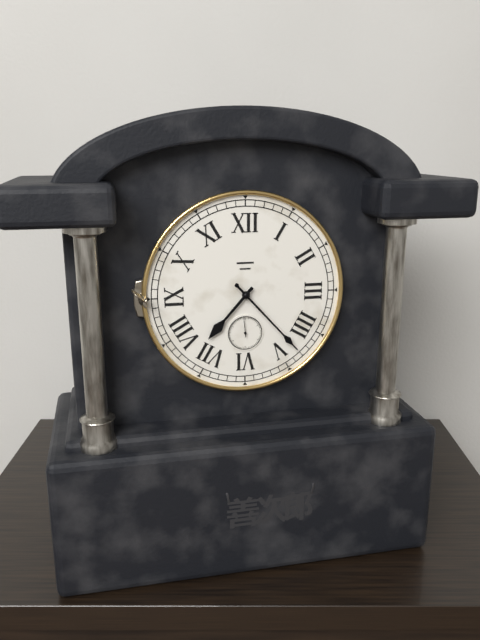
7:23
